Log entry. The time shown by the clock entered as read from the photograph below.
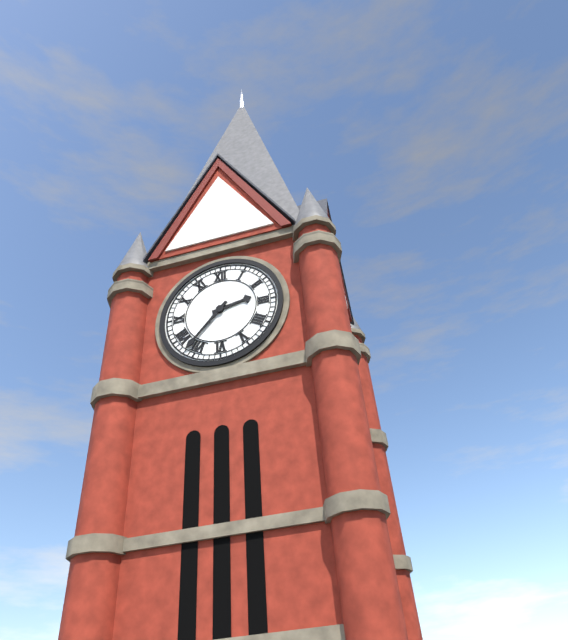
2:37
